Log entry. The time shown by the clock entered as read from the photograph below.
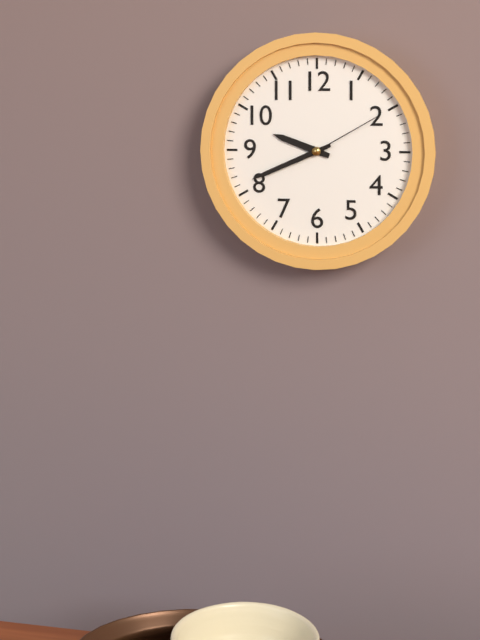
9:41:10
